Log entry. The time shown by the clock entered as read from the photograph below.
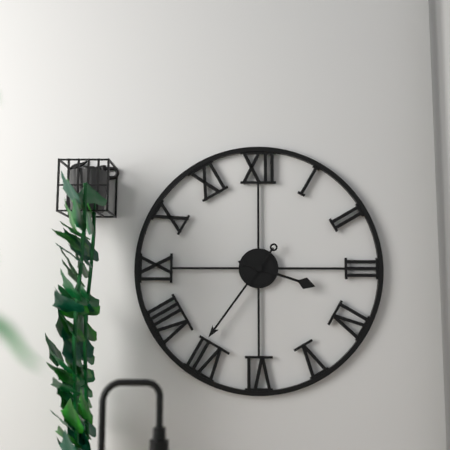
3:36
